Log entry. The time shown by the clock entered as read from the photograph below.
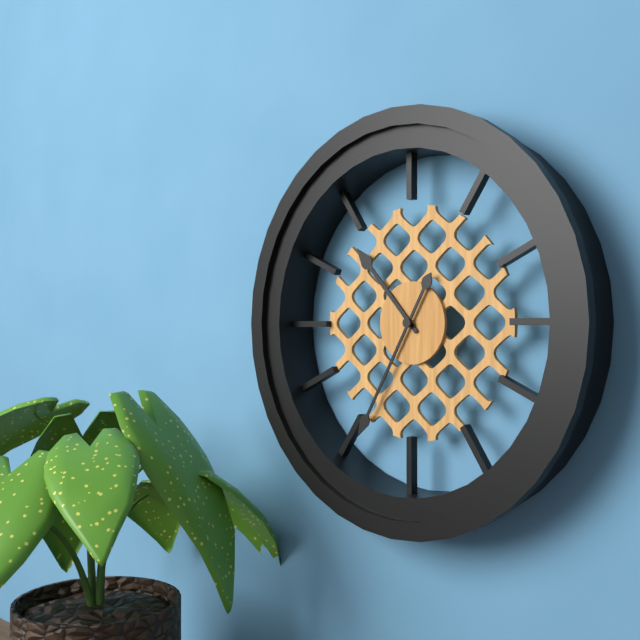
10:35
